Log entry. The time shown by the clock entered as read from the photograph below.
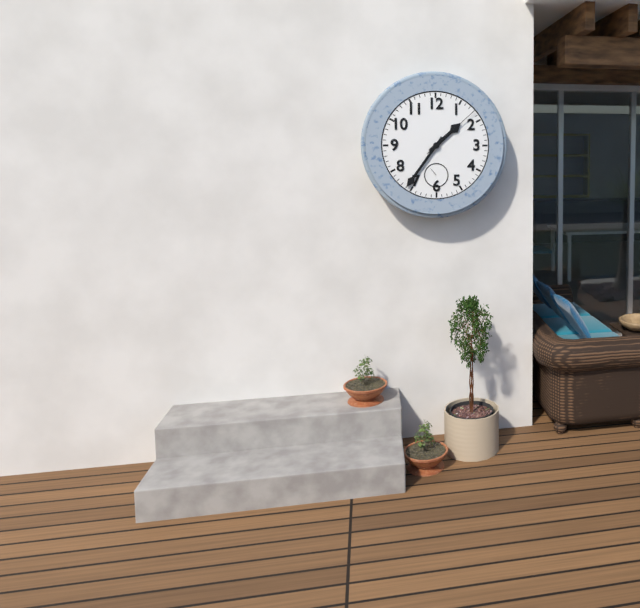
1:36:08
